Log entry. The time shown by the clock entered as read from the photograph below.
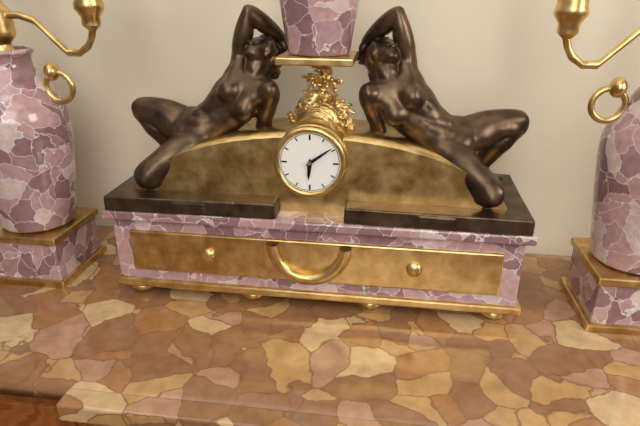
6:09
